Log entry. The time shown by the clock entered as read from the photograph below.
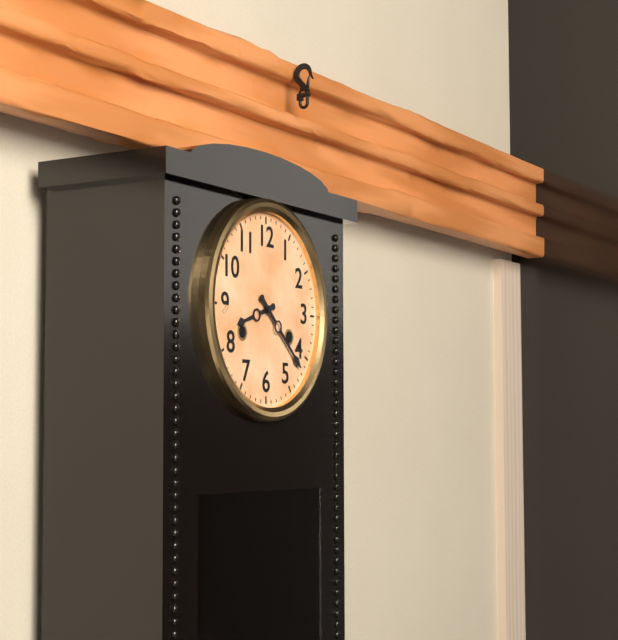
8:22
